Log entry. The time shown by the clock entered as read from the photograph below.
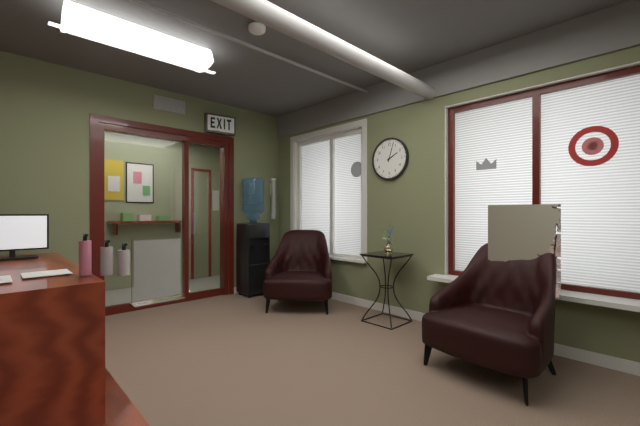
2:03
